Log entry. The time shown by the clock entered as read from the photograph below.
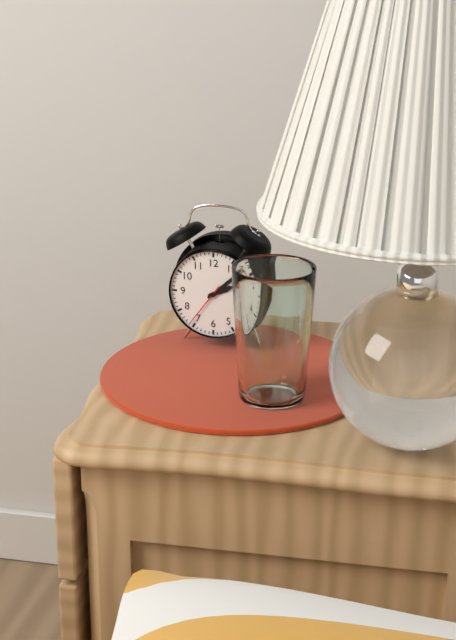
2:08
